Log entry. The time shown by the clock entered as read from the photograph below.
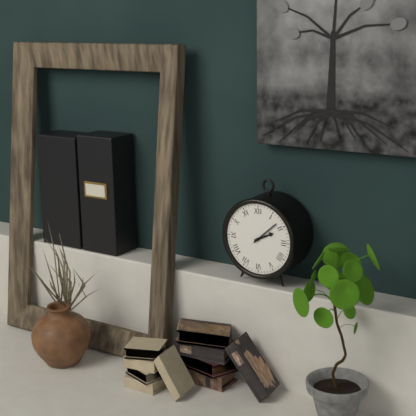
2:08
